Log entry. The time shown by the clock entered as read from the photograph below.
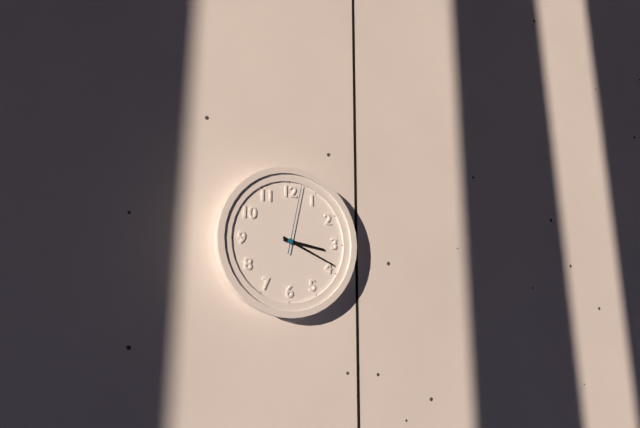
3:19:02
